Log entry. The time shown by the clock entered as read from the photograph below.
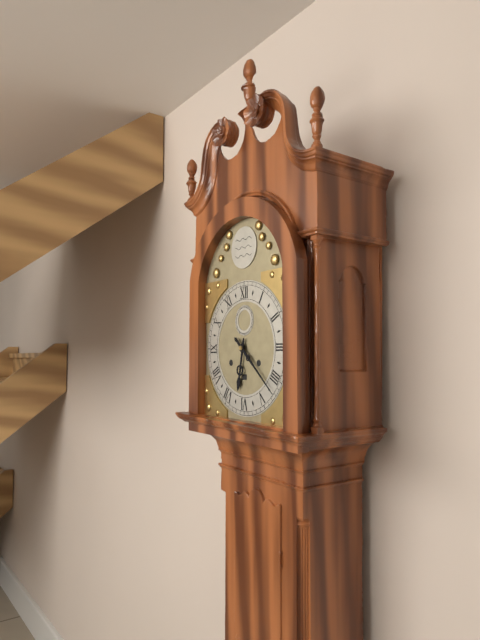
6:22
